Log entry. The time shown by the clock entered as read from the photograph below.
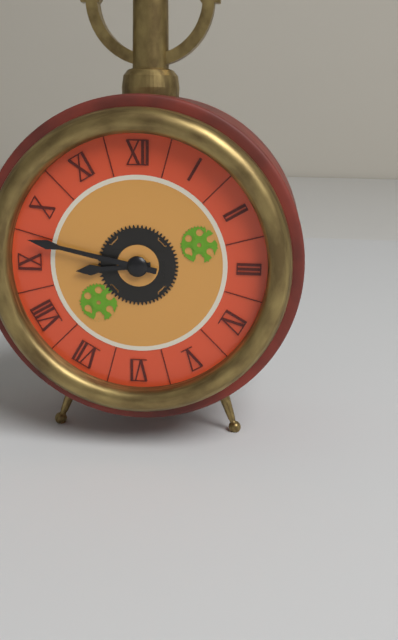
8:47
